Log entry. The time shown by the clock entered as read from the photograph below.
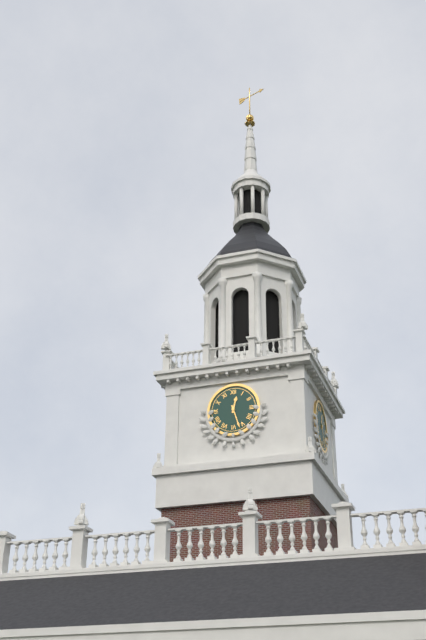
12:27
